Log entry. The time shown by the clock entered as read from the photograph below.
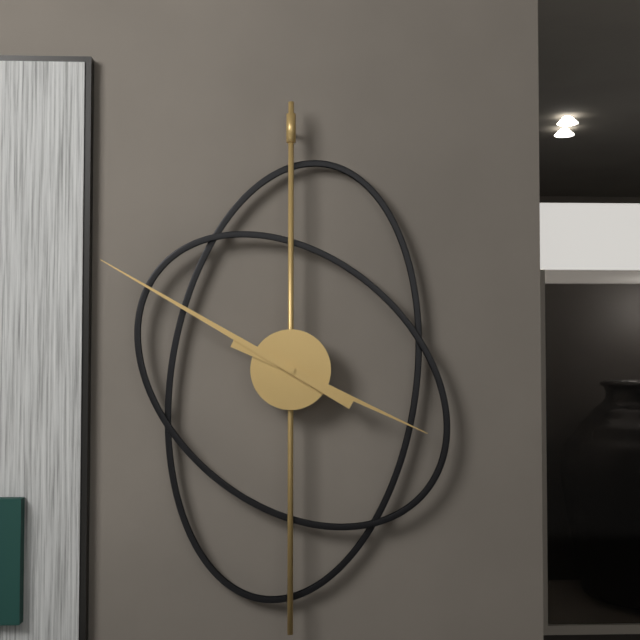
3:50
